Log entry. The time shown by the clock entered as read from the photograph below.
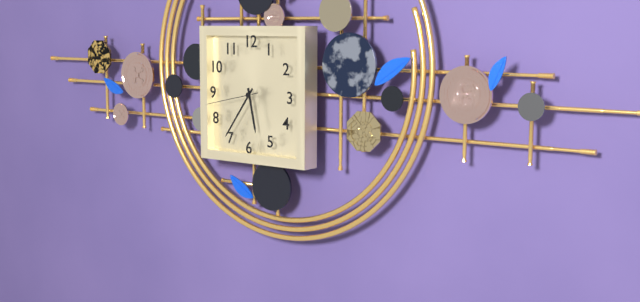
5:36:43
